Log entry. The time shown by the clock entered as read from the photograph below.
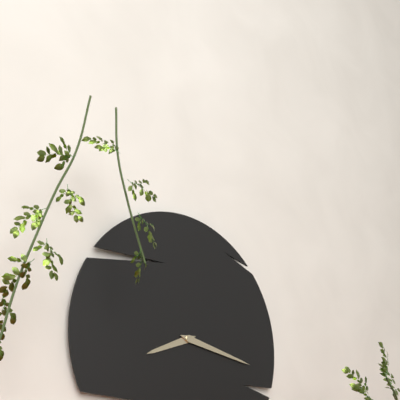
8:17
